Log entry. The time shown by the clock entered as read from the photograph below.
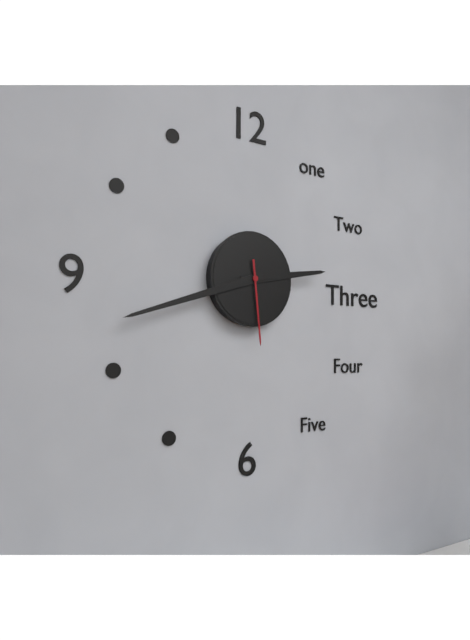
2:42:29
